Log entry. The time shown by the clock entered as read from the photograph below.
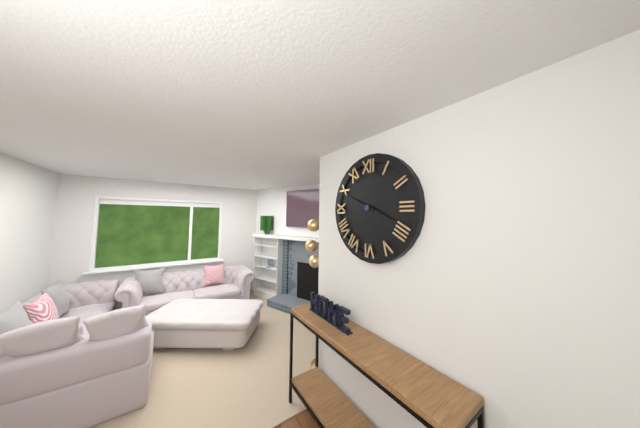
3:49
